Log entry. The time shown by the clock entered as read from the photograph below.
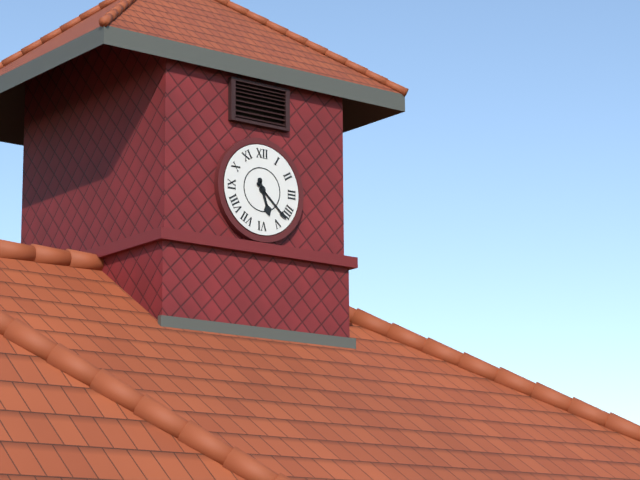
5:22
